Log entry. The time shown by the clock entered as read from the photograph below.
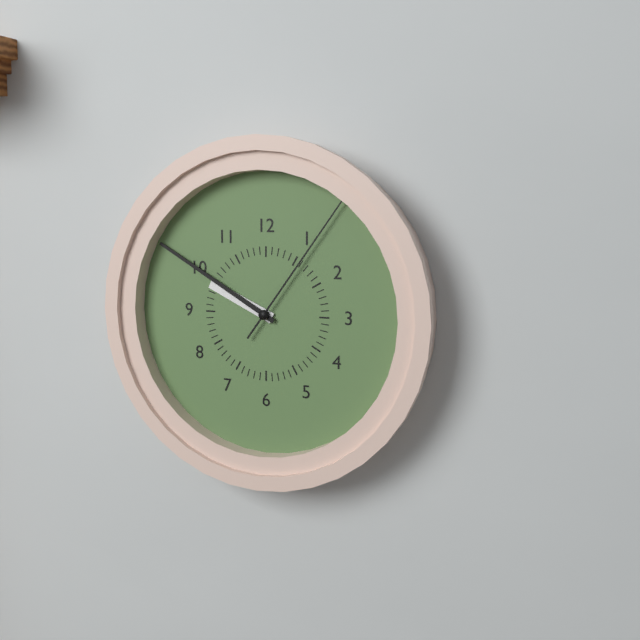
9:50:06
